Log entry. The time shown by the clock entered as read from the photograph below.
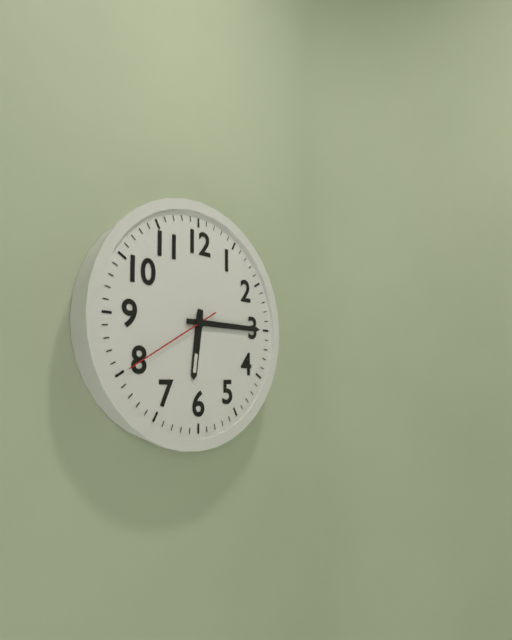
6:15:40
